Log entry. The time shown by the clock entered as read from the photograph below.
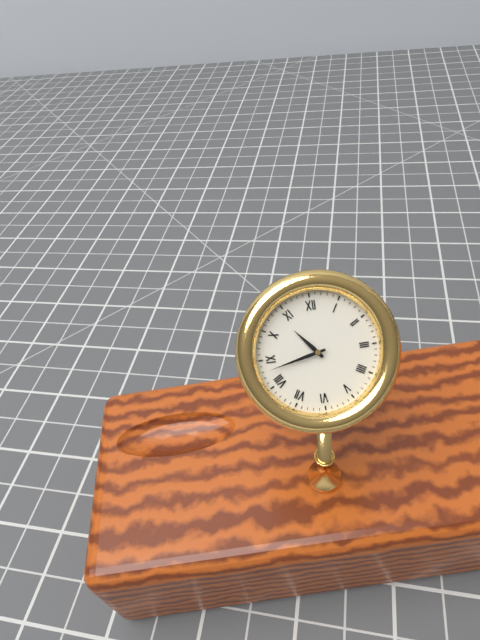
10:43
